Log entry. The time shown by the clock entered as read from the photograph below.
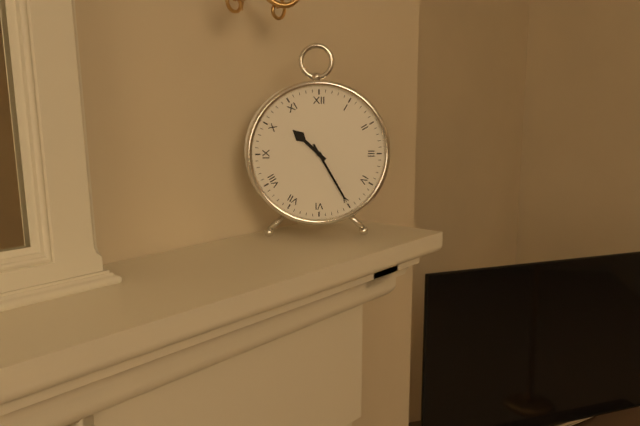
10:25
